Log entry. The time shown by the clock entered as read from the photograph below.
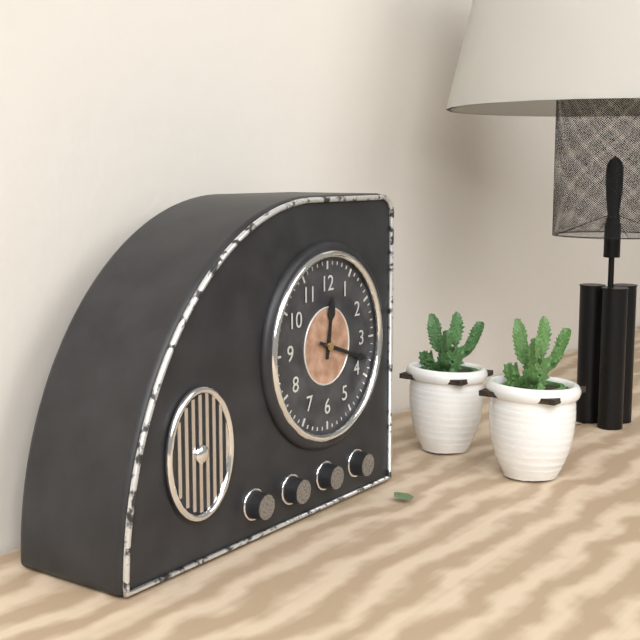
12:18
